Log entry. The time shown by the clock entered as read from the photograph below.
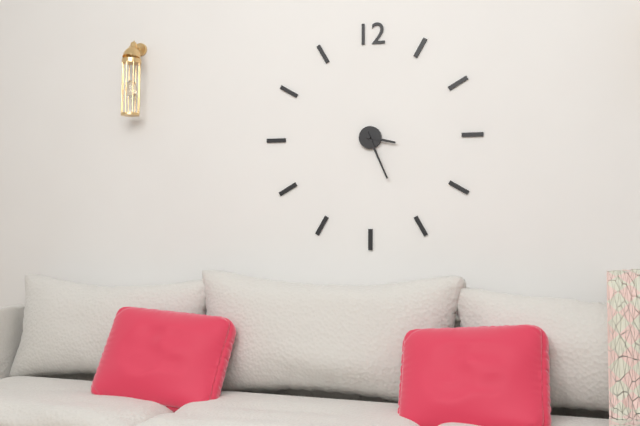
3:26
